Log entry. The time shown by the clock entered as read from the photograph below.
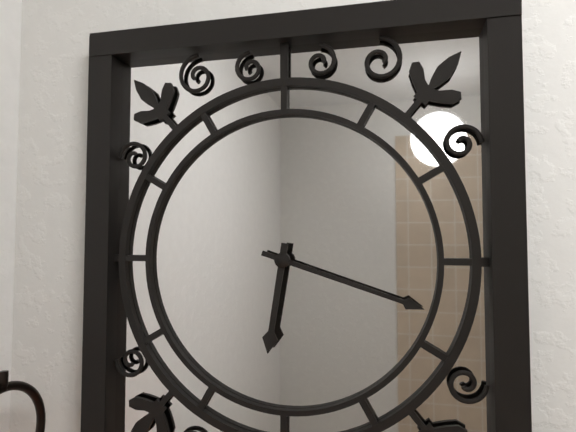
6:18
